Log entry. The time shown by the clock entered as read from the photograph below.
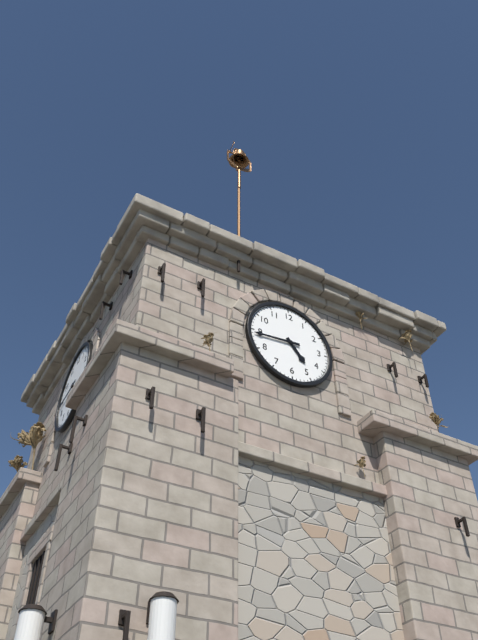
4:44
